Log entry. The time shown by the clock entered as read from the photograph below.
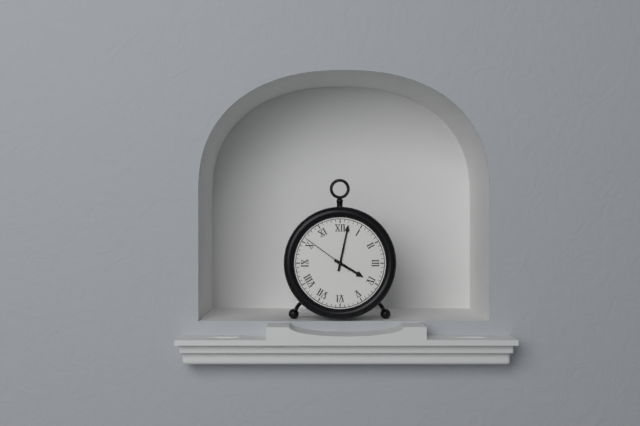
4:02:51
